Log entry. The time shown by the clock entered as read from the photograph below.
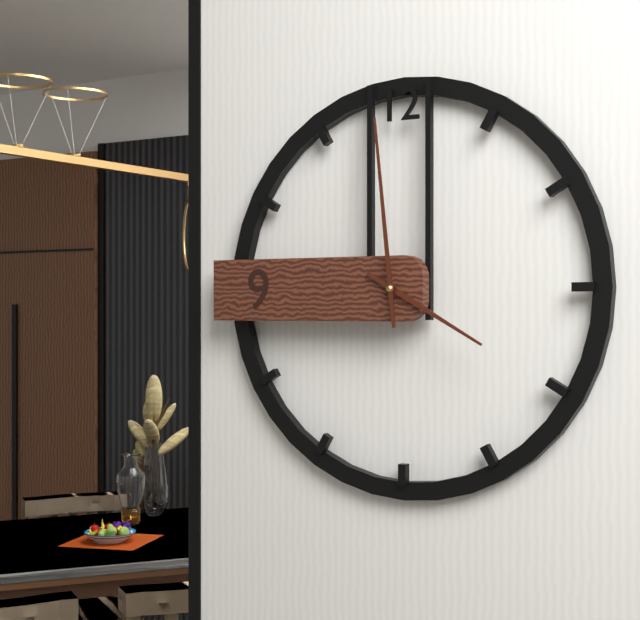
3:59
